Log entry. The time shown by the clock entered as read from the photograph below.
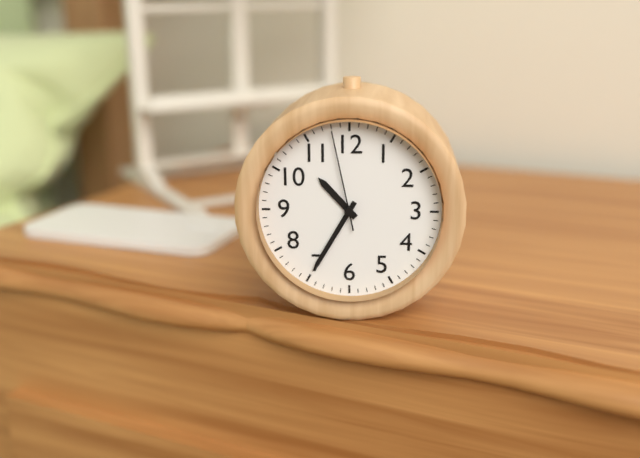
10:35:58
